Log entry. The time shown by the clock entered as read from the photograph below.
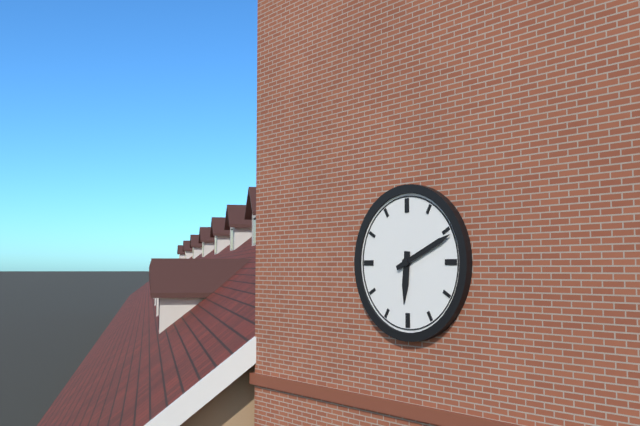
6:11
